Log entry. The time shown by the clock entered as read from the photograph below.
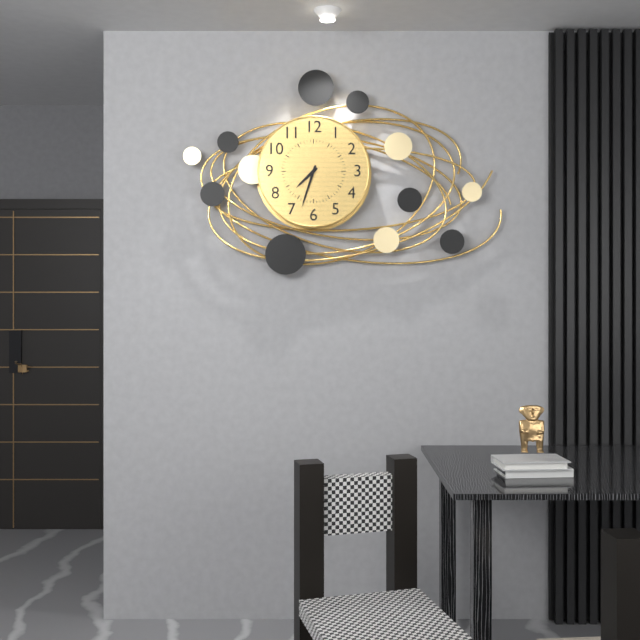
7:33
